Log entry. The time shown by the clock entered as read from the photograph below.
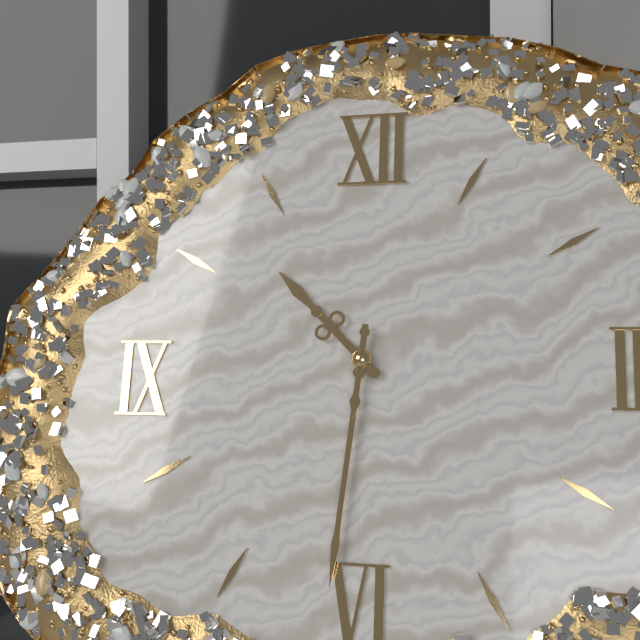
10:31
